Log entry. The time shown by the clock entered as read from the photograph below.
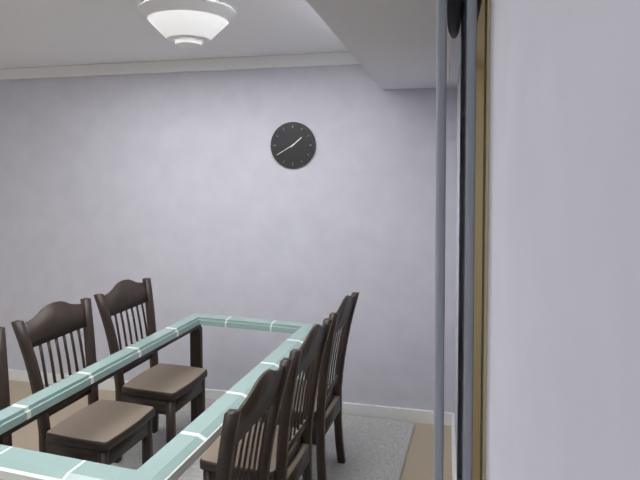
1:40
